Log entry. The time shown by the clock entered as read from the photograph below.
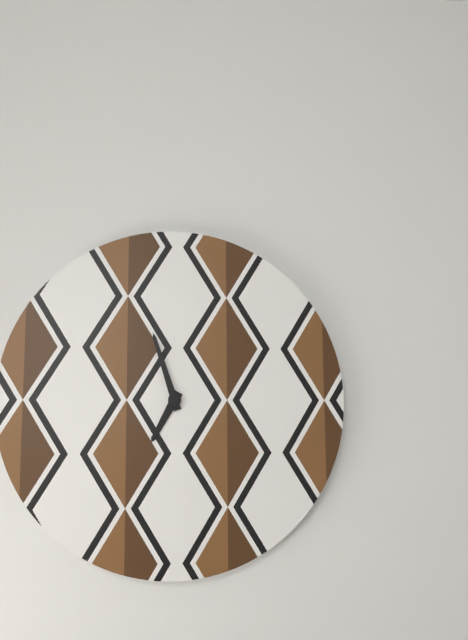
6:57
